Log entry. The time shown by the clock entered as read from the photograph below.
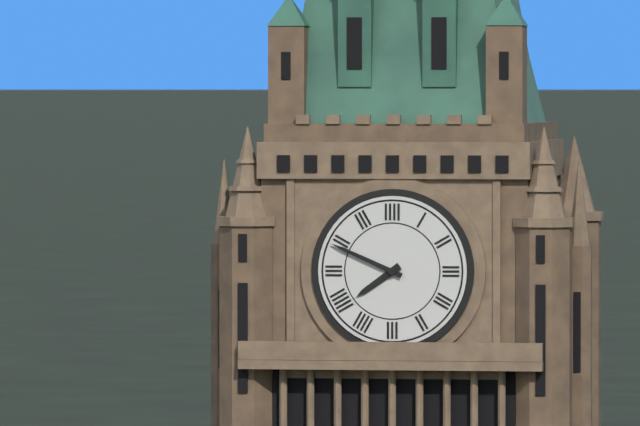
7:49
